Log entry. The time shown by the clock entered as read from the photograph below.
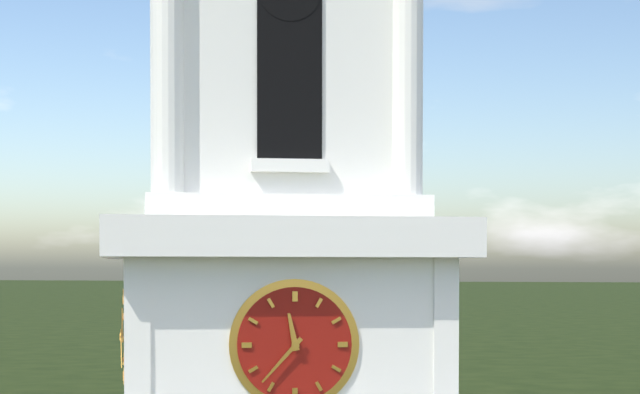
11:37
